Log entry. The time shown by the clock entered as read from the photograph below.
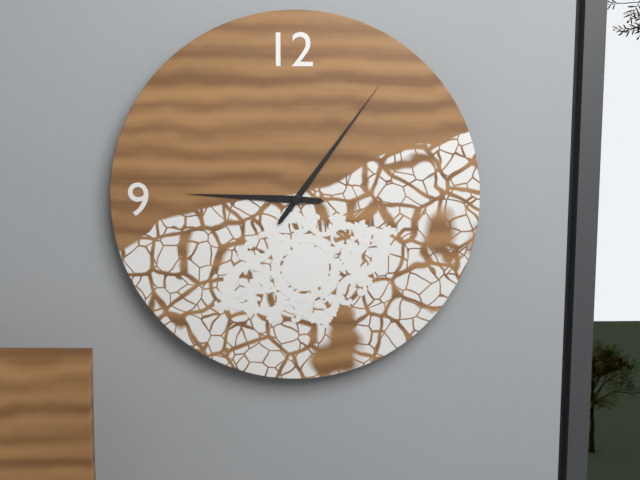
9:06
